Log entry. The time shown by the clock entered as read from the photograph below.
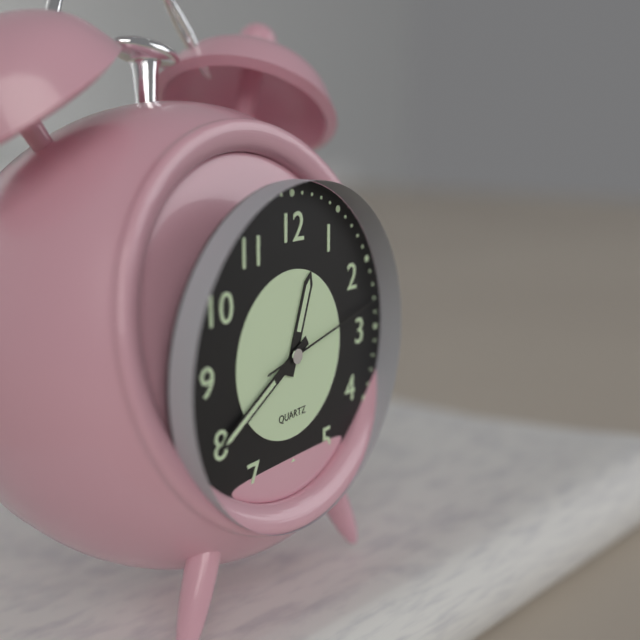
12:40:13
